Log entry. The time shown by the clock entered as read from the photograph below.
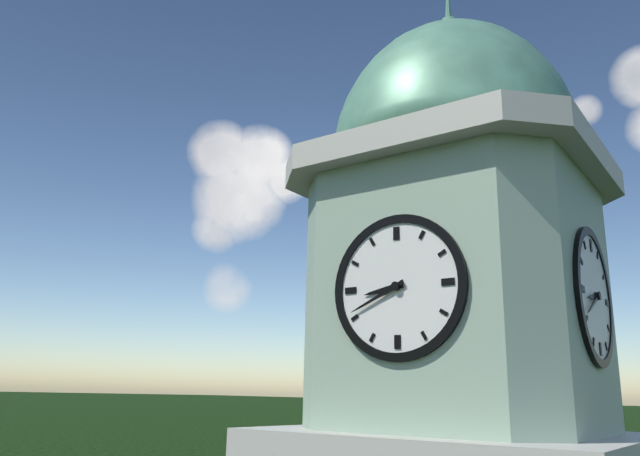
8:41
